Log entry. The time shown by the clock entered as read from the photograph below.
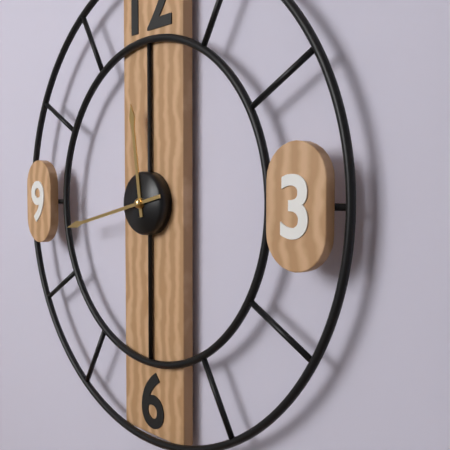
11:43
